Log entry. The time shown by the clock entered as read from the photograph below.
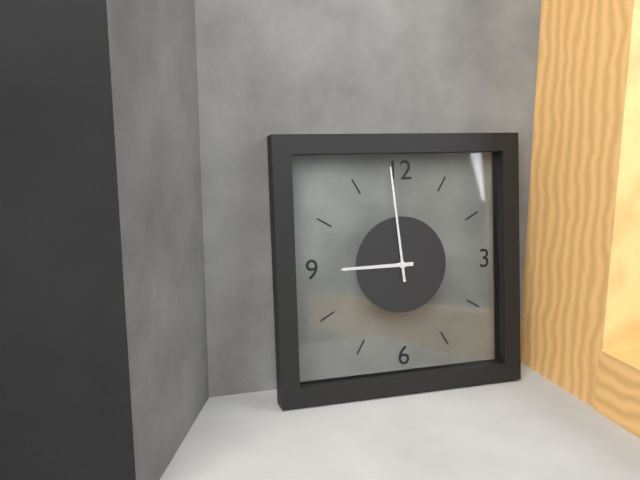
8:59
